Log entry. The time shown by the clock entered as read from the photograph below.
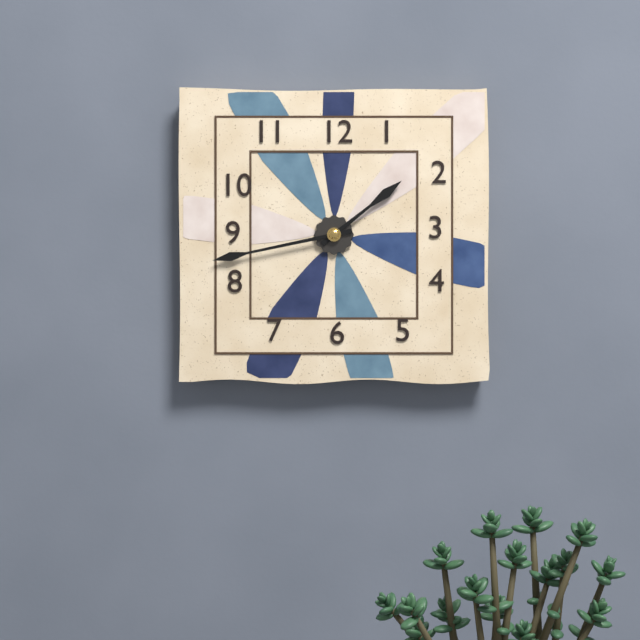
1:43
